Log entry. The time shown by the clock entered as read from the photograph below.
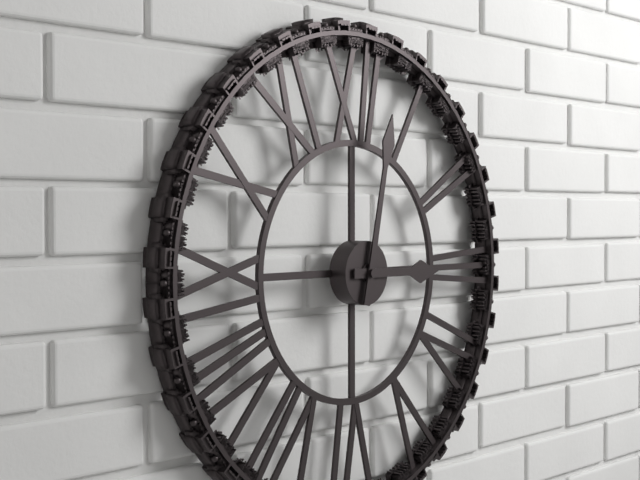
3:02
